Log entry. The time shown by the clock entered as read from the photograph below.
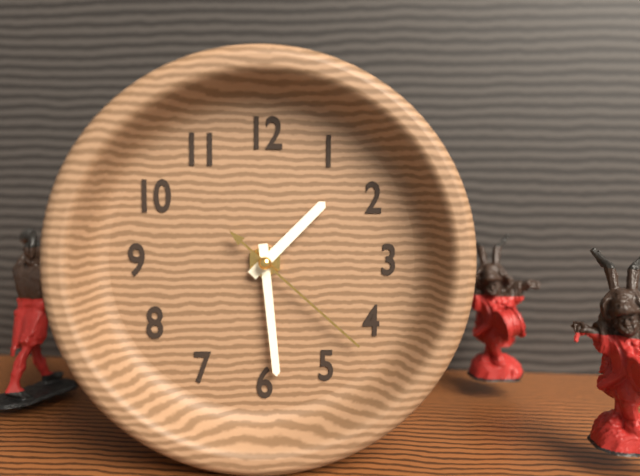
1:29:22
